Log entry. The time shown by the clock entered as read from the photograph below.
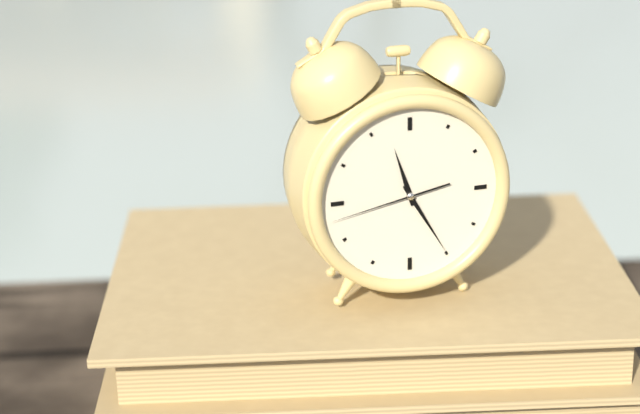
11:25:43
